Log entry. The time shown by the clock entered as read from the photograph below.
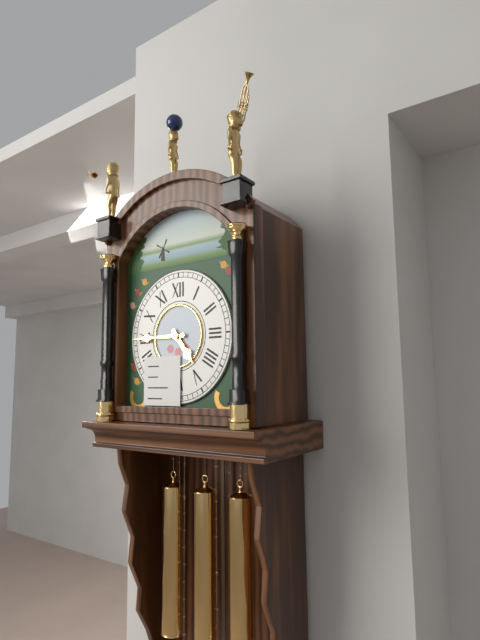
4:45
